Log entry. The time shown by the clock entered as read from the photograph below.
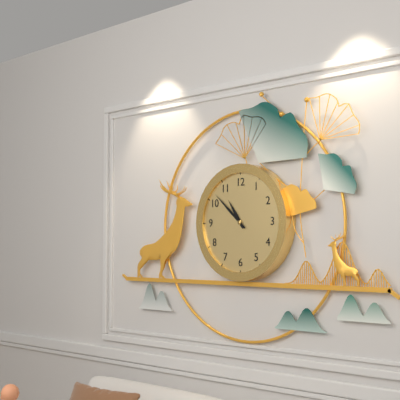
10:52
